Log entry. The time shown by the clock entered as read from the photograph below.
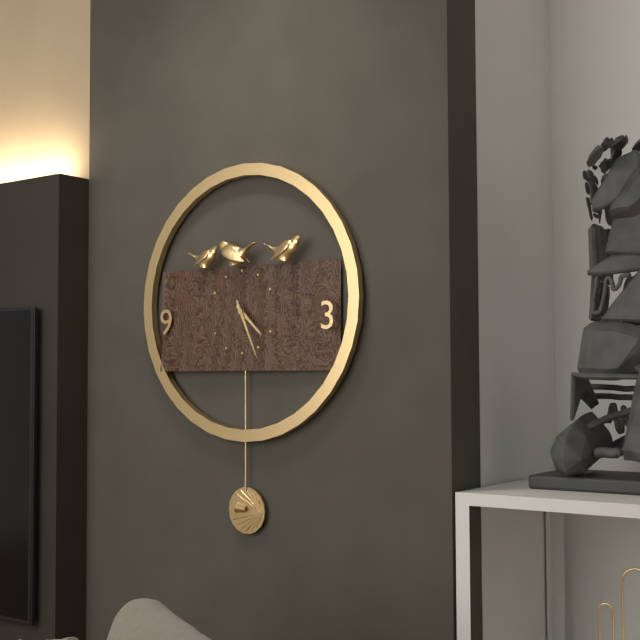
4:26
